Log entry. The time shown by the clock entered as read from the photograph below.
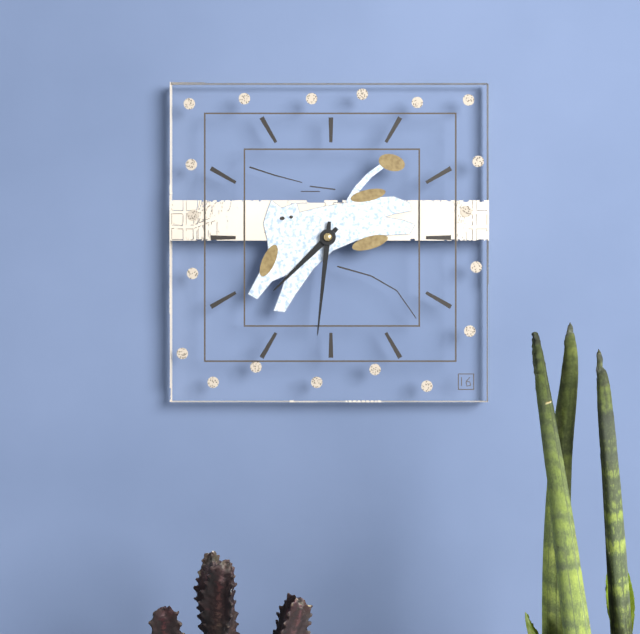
7:31
